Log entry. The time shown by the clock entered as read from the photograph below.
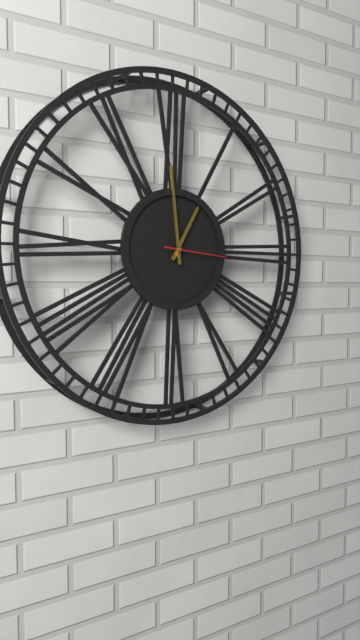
12:59:16
